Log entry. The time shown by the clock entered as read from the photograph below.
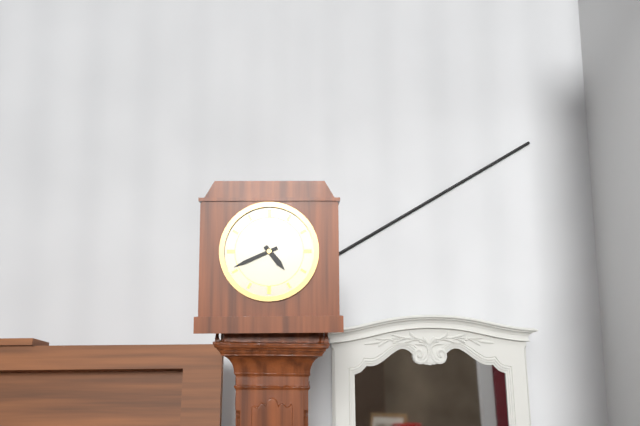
4:41
